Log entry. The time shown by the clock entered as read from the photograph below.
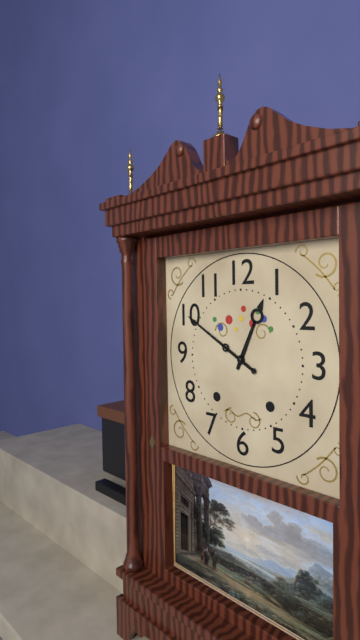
12:50
